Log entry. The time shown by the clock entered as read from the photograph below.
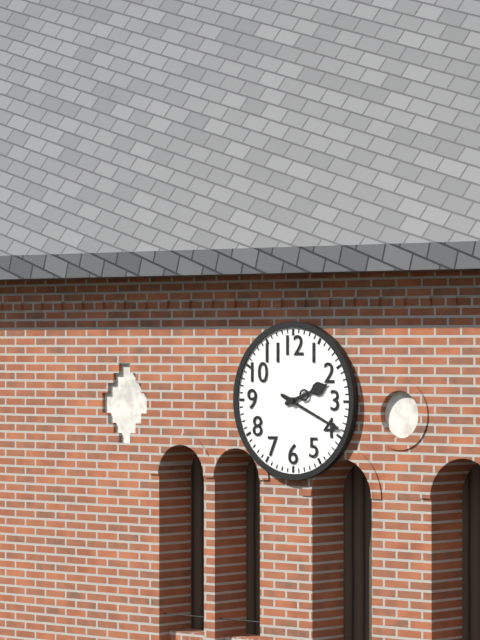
2:19
